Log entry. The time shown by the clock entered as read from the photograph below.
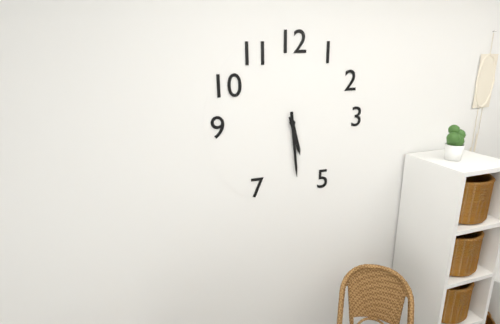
5:29
